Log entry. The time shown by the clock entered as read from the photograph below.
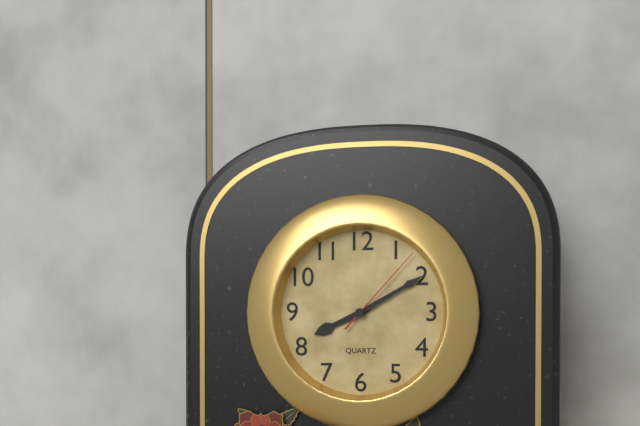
8:10:07
